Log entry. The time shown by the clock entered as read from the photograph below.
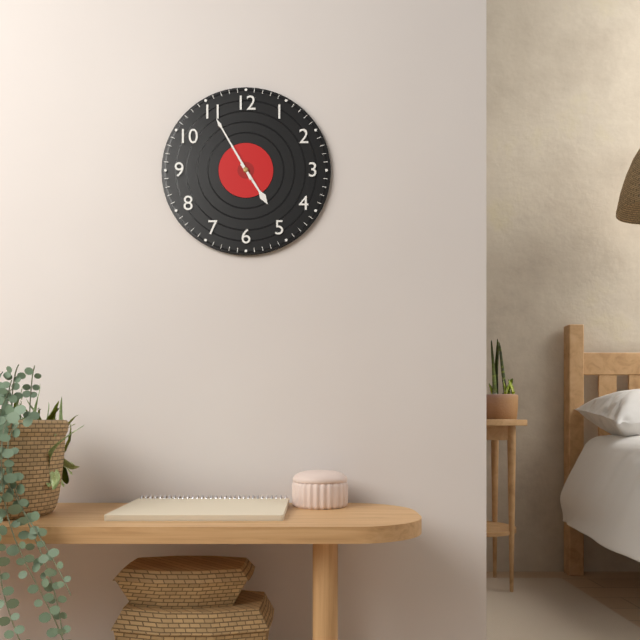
4:55
